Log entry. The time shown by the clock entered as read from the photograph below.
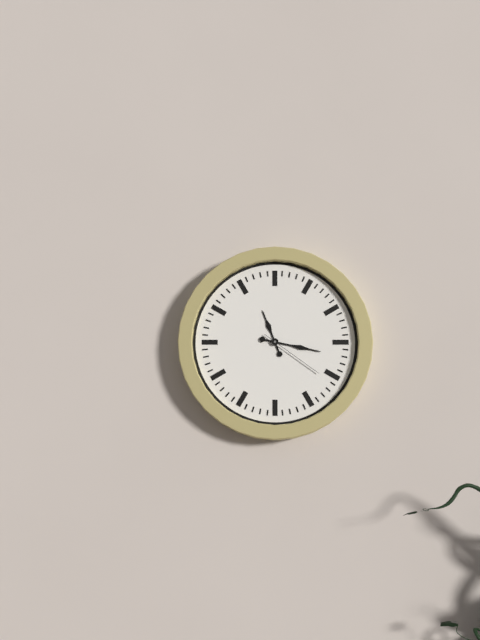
11:17:21
